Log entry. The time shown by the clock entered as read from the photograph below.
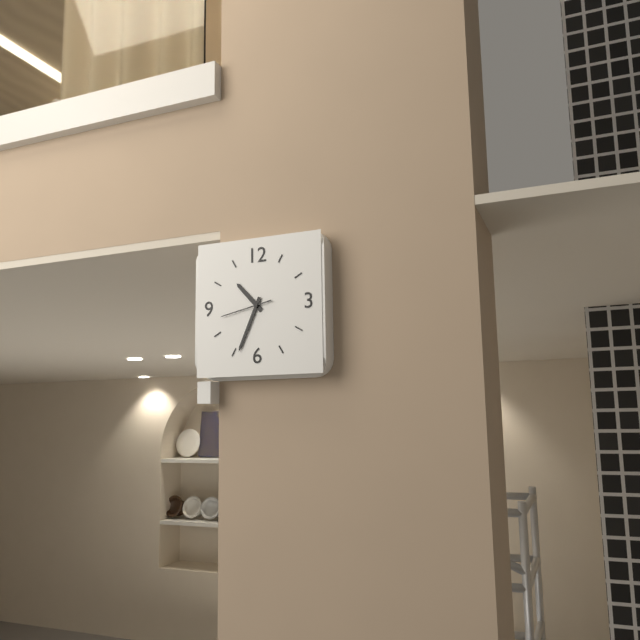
10:34
